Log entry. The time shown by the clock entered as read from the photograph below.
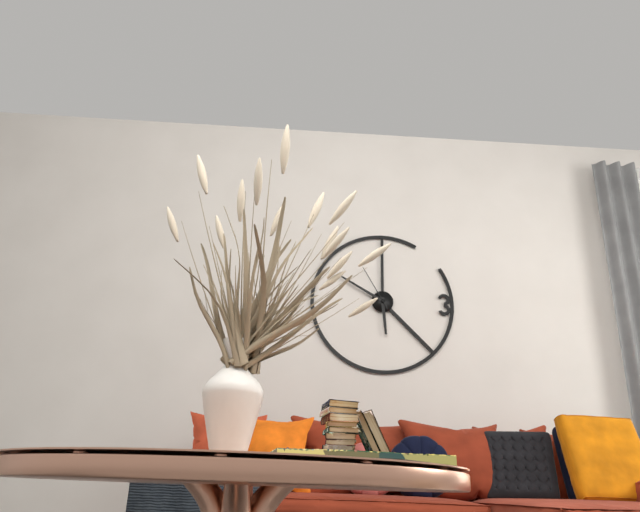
5:50:55
